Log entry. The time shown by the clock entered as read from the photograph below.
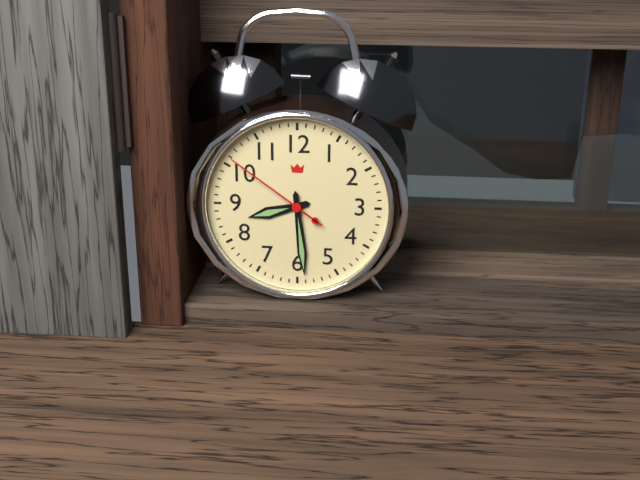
8:29:51
